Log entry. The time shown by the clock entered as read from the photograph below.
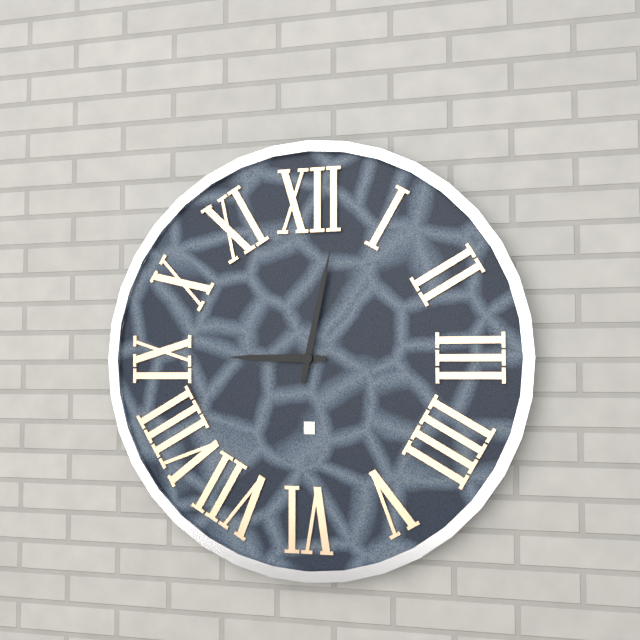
9:02
